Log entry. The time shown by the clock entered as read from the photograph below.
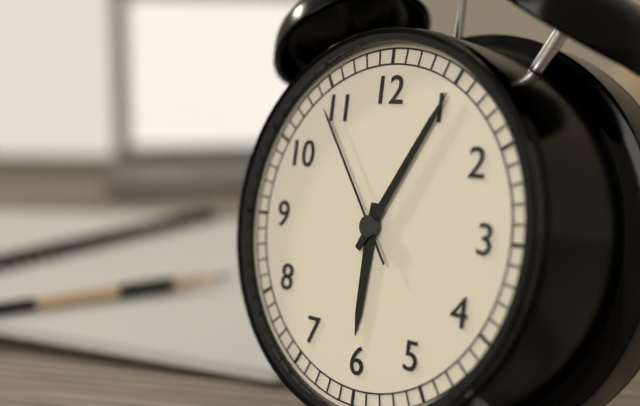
6:05:54
